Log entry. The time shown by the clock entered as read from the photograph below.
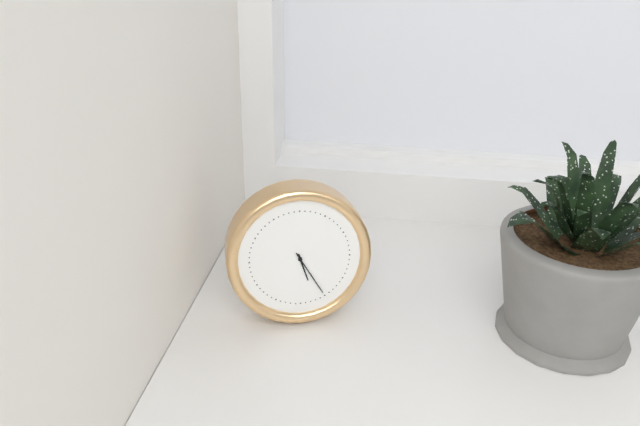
5:25
